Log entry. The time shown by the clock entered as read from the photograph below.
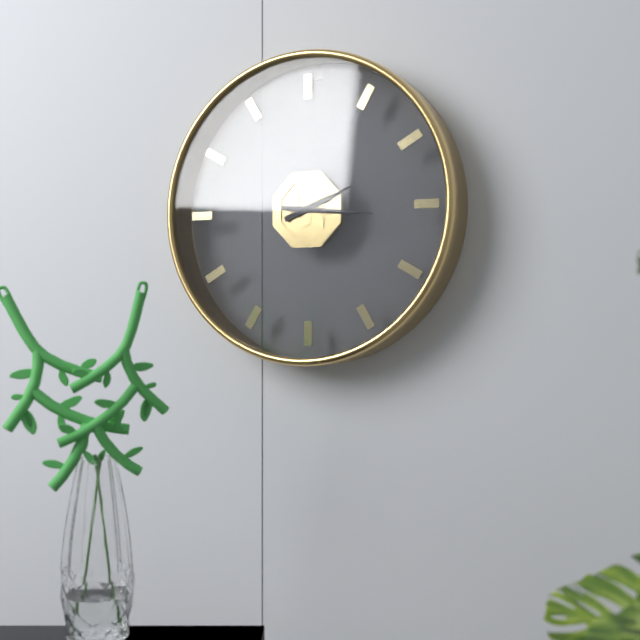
2:16
